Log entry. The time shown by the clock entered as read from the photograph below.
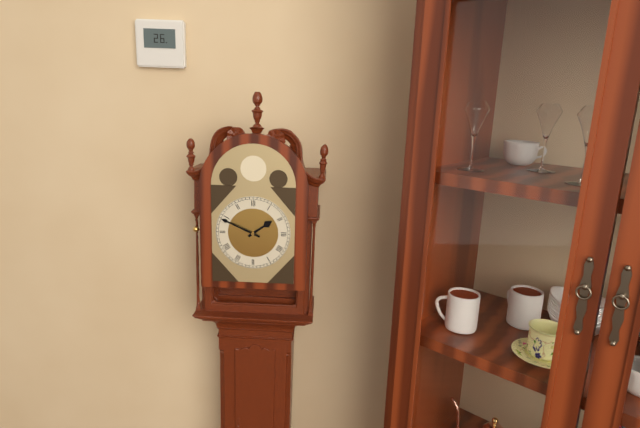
1:49
